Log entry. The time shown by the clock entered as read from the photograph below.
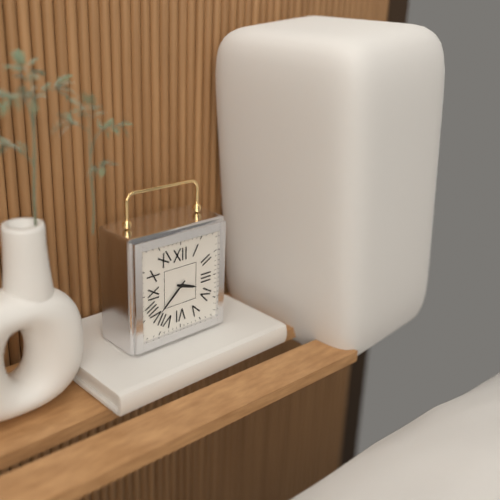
3:38
